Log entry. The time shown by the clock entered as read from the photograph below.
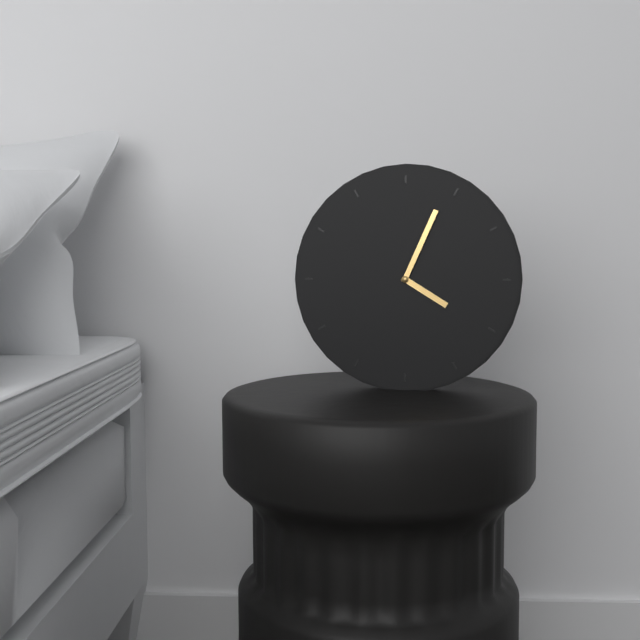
4:04
